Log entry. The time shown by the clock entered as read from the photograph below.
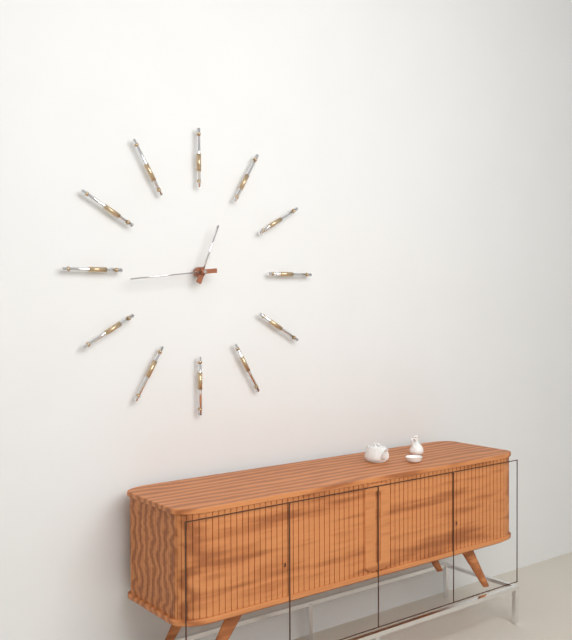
12:44
